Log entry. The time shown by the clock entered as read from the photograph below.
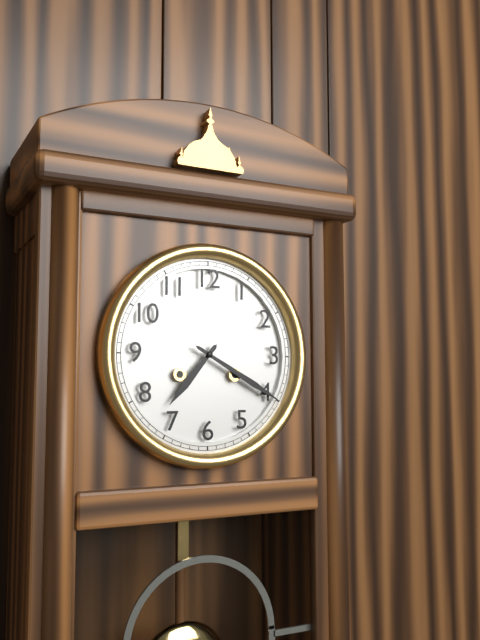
7:20
